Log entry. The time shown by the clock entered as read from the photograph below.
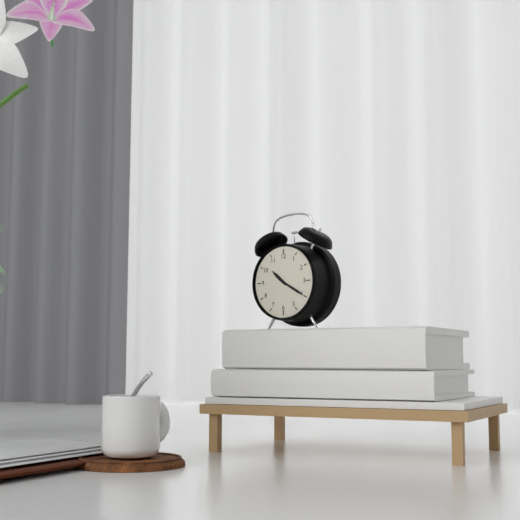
10:20
